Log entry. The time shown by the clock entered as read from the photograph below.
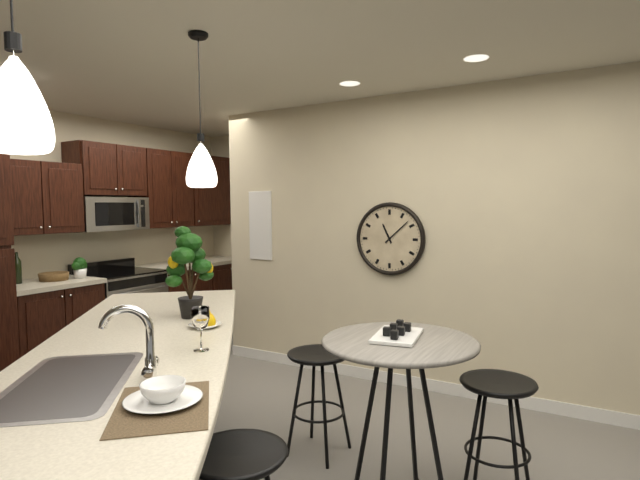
11:08
